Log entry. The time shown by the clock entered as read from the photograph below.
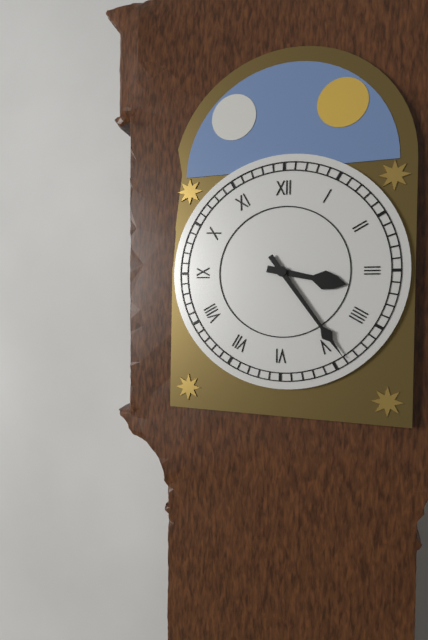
3:24
